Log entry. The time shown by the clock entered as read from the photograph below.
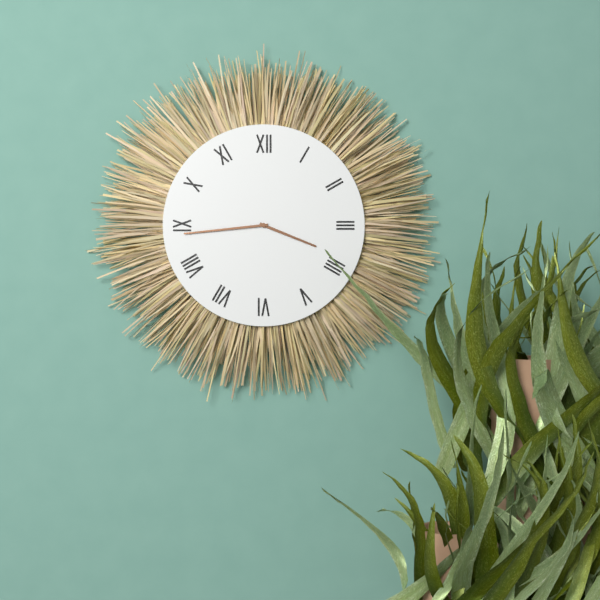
3:44
